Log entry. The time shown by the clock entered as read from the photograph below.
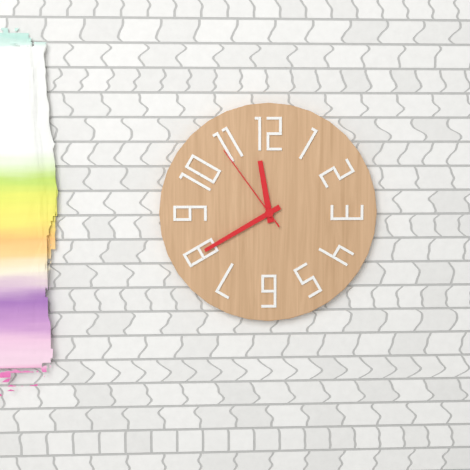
11:40:54
